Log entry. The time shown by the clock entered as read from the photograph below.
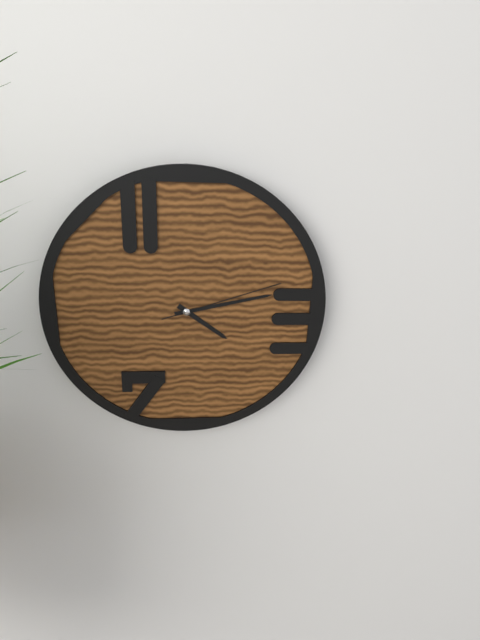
4:13:12
